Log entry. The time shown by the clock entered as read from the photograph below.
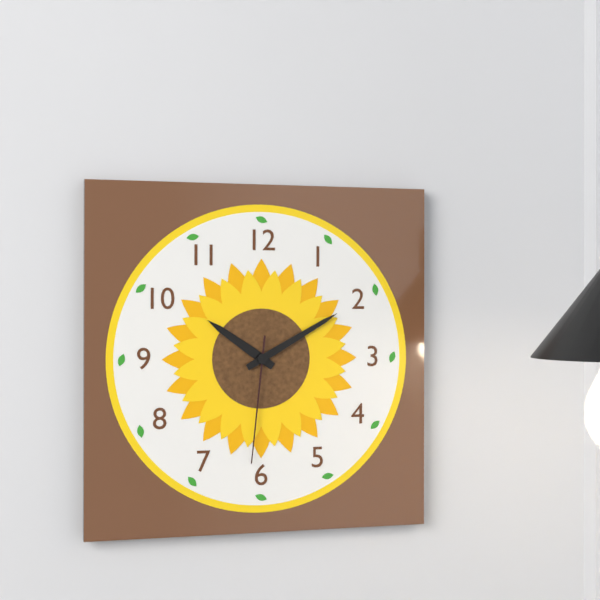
10:10:31
